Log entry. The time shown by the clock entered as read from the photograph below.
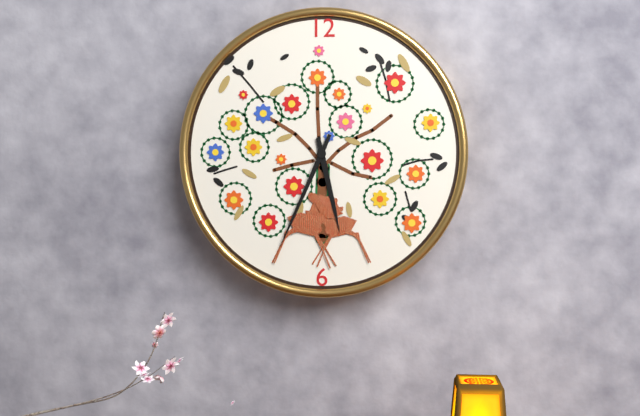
5:34
